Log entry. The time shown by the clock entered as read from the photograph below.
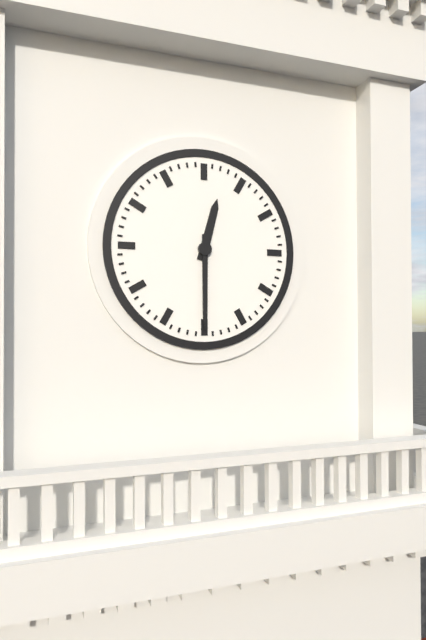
12:30
